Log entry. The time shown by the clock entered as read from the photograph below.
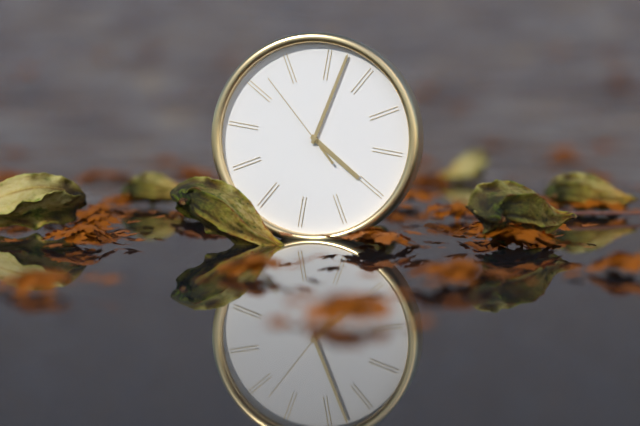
4:02:52
